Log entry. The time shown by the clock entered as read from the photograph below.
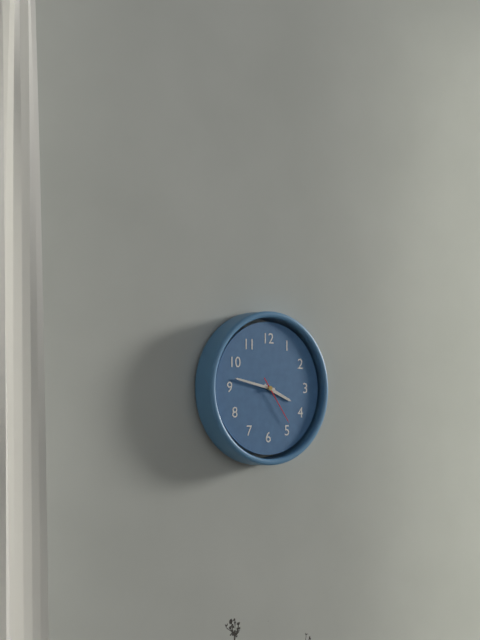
3:47
